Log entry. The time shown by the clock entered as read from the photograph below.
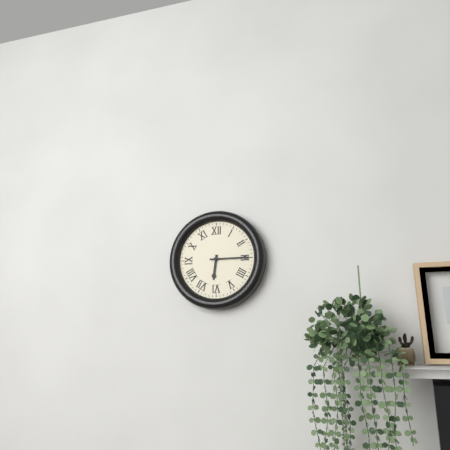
6:15
